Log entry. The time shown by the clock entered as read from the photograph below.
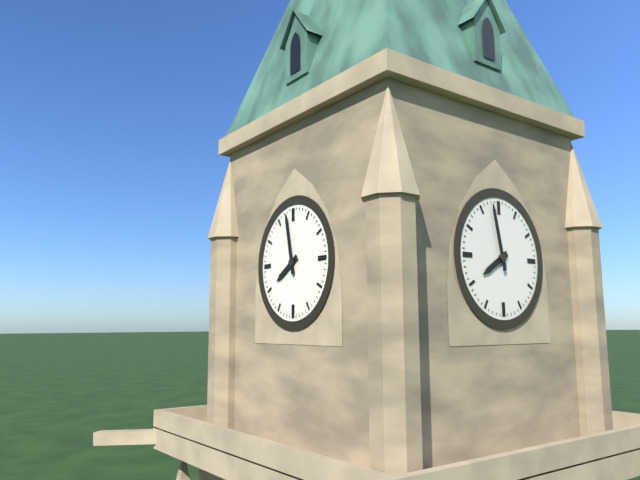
7:58
